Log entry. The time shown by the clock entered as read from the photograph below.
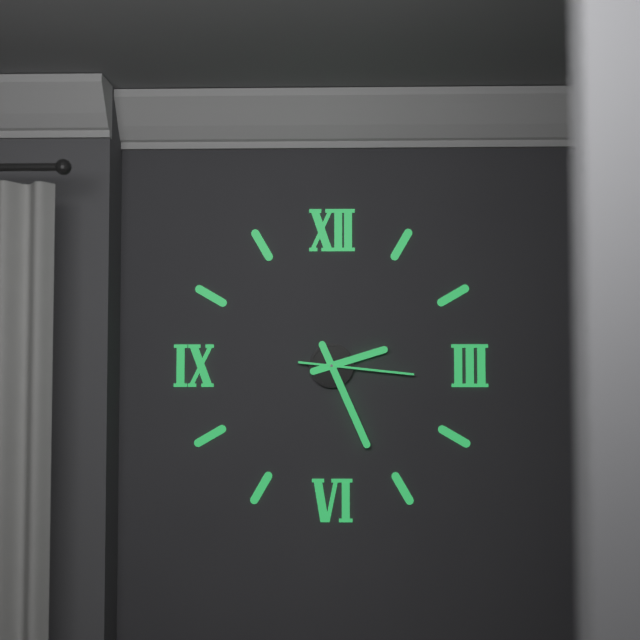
2:26:16
